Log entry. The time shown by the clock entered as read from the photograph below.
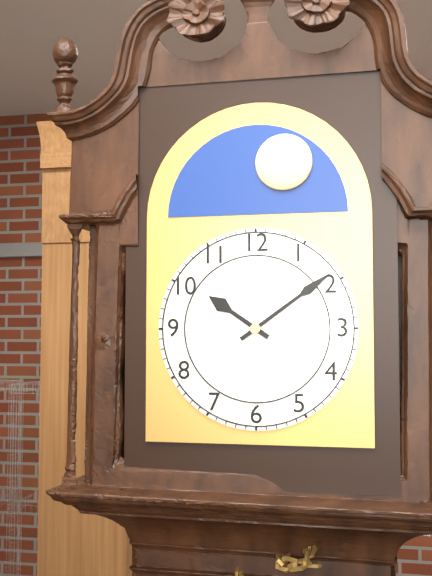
10:09
